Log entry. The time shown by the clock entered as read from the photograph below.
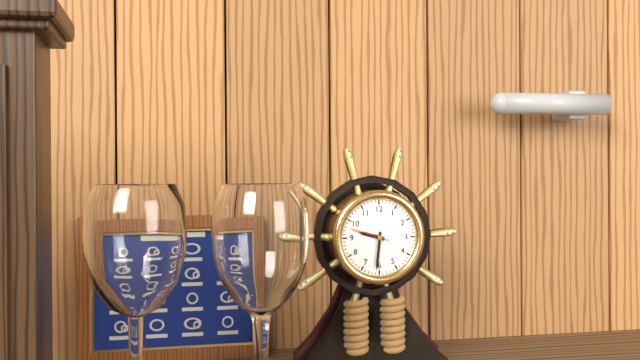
9:31
